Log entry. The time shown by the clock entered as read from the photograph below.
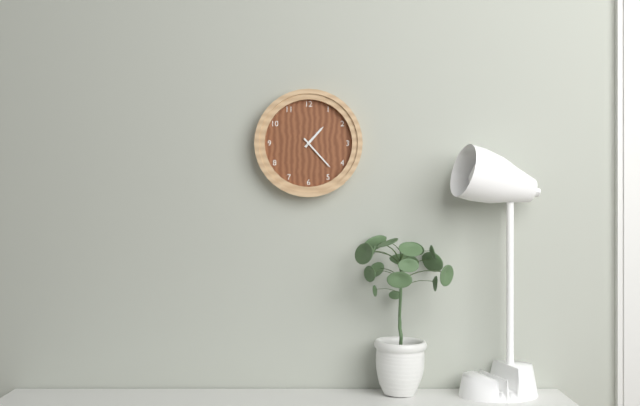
1:23
